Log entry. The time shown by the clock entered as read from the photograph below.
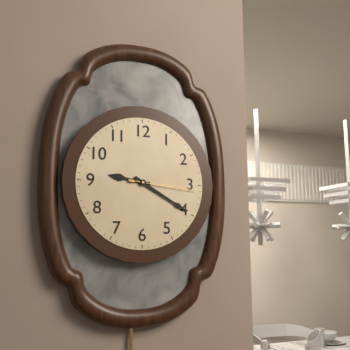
9:20:16
